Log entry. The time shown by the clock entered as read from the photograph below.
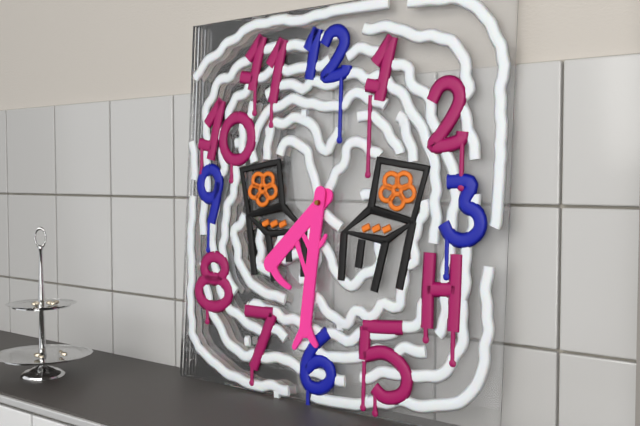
7:31
